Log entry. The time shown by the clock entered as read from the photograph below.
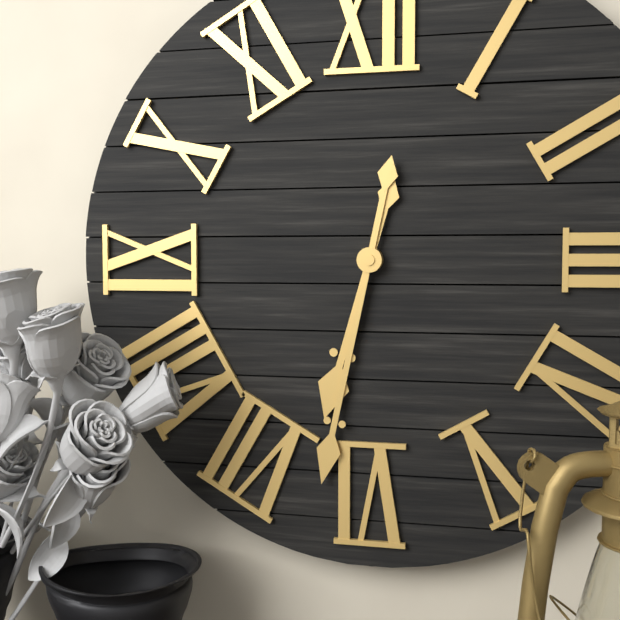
6:32
